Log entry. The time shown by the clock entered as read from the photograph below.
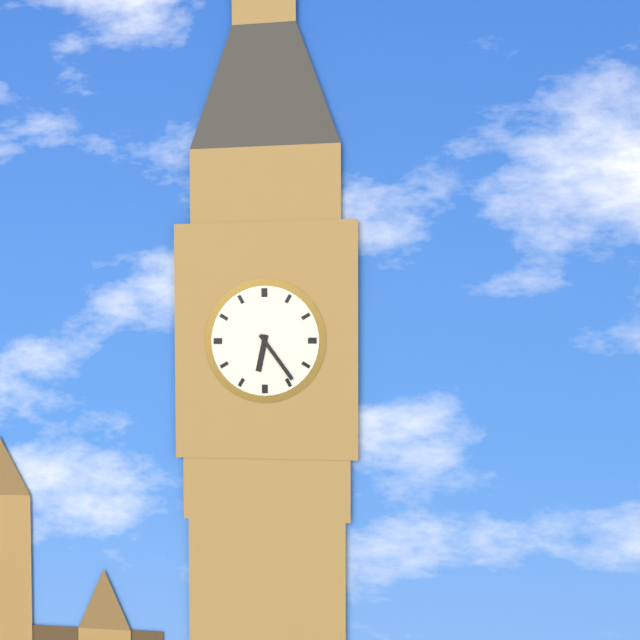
6:24
